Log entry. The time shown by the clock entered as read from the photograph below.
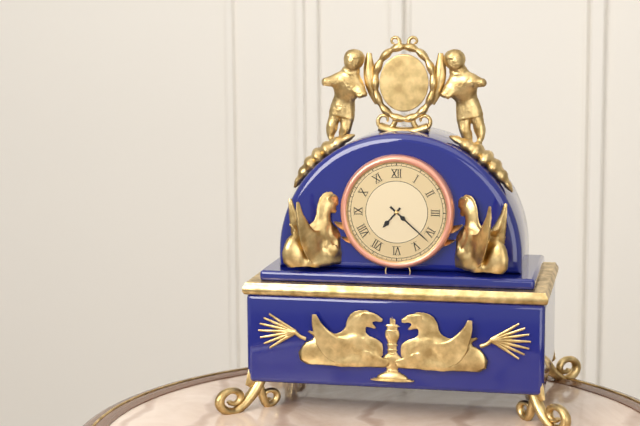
7:22
